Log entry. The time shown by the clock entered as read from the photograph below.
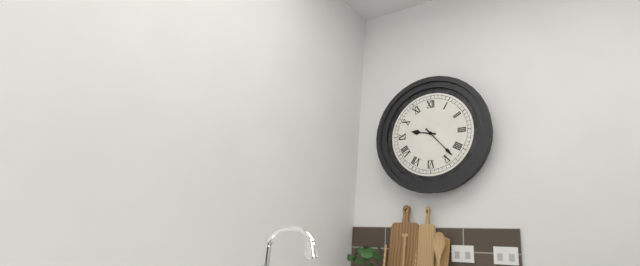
9:23
